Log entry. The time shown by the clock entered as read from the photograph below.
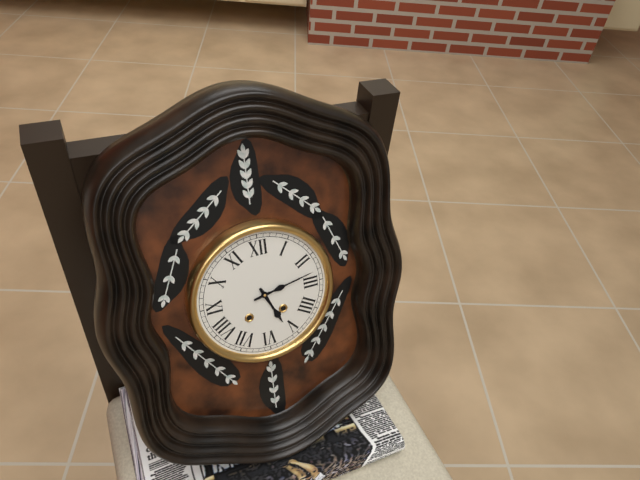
5:13
